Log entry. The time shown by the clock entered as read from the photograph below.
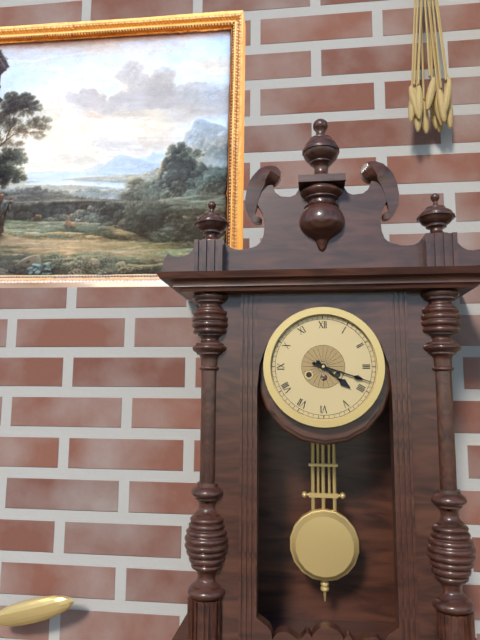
4:18
